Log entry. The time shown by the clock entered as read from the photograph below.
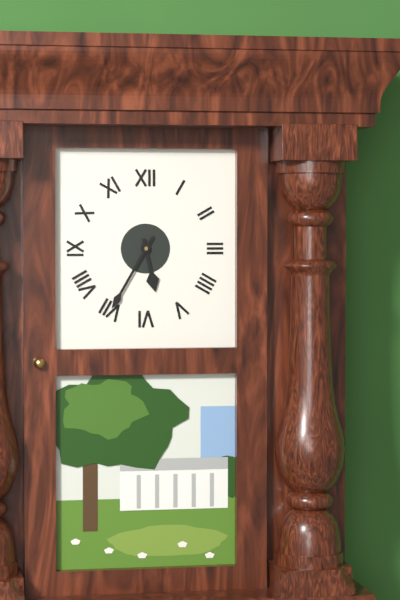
5:35
